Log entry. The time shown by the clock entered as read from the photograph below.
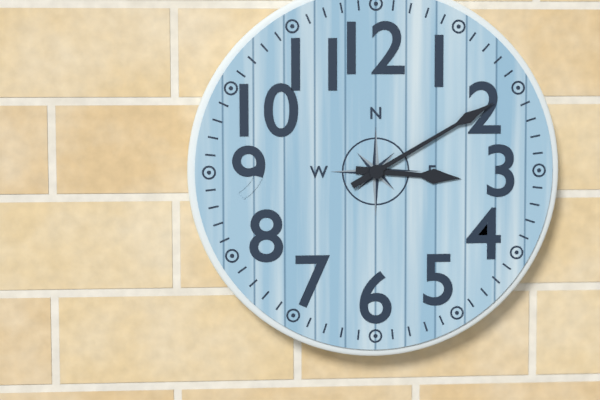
3:10
